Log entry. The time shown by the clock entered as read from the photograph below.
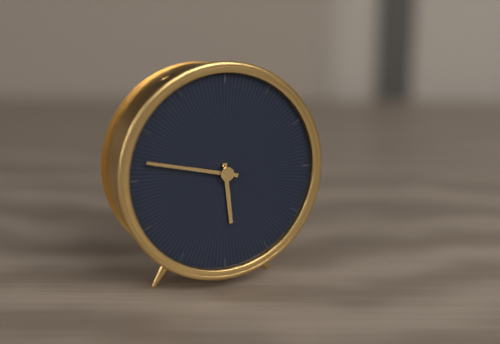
5:47
